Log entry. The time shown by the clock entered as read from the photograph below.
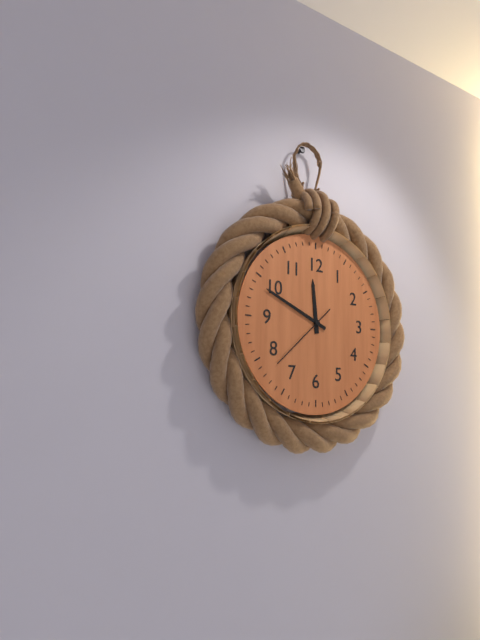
11:49:38
